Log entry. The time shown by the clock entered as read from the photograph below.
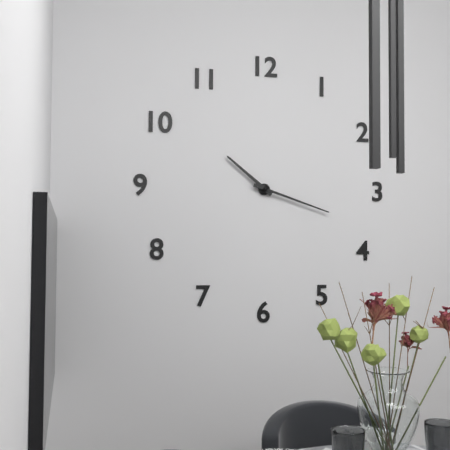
10:18
